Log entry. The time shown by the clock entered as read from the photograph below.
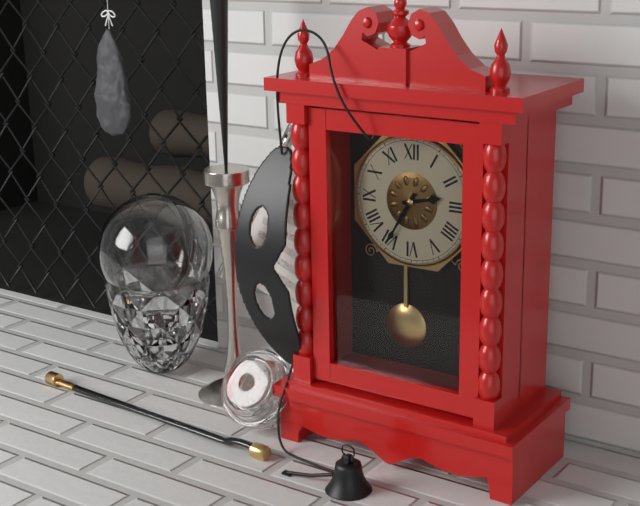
2:35
